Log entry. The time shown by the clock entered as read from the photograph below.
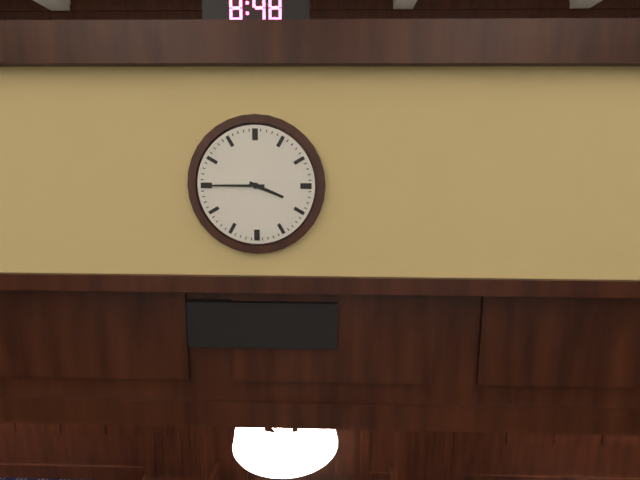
3:45
